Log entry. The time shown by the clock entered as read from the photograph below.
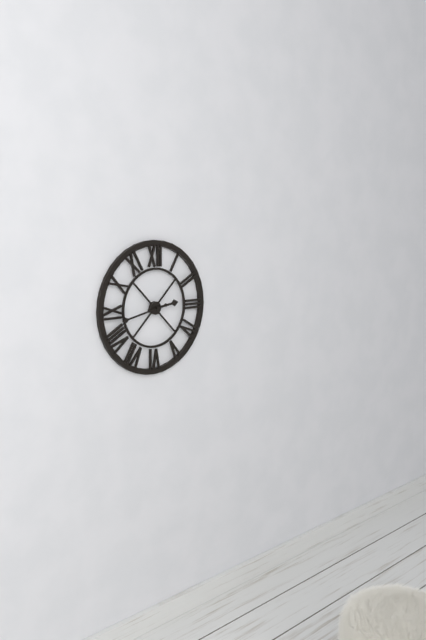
2:43
